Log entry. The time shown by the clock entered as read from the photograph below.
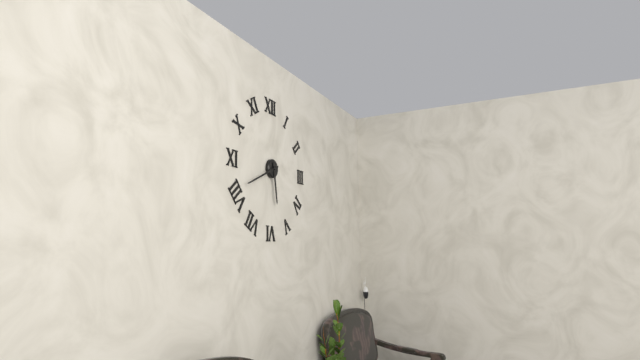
5:41
